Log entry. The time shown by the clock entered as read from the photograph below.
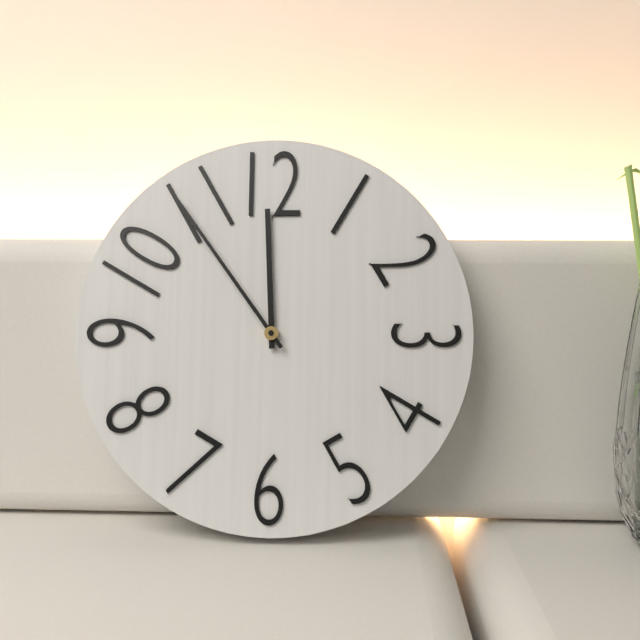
11:54
